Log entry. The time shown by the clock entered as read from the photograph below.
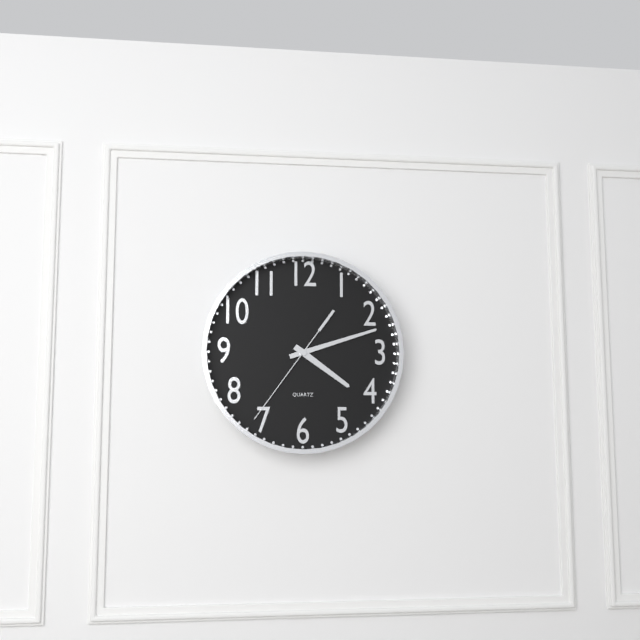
4:12:36
